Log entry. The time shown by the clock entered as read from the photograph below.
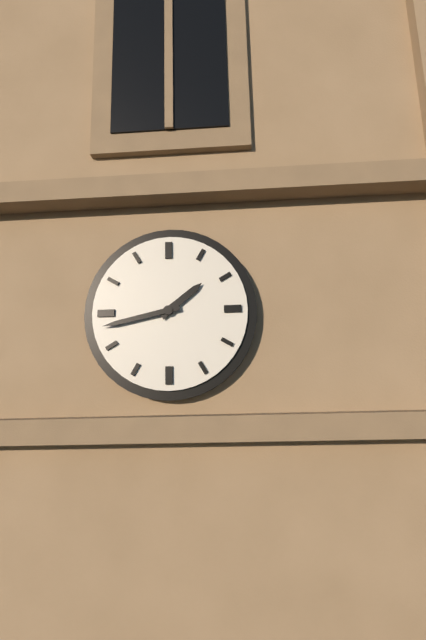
1:43
